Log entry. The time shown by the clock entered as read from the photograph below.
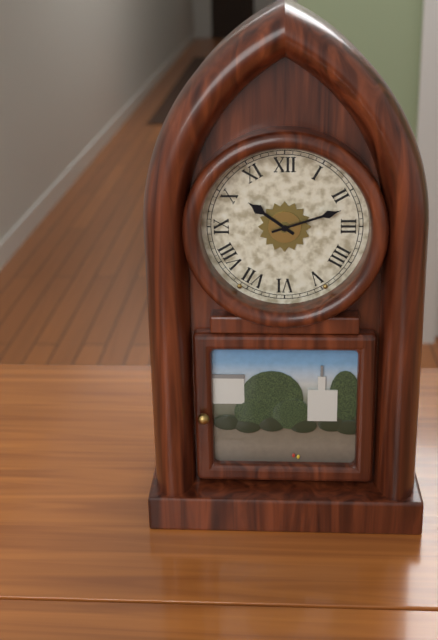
10:12
